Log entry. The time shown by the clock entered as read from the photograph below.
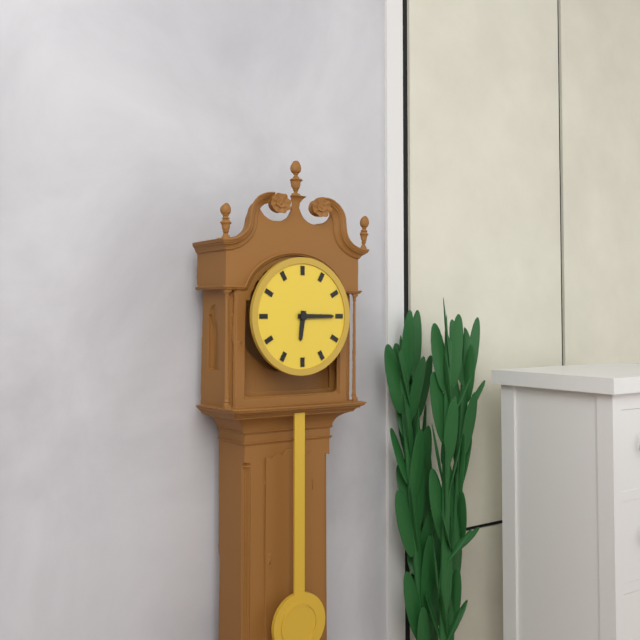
6:15
